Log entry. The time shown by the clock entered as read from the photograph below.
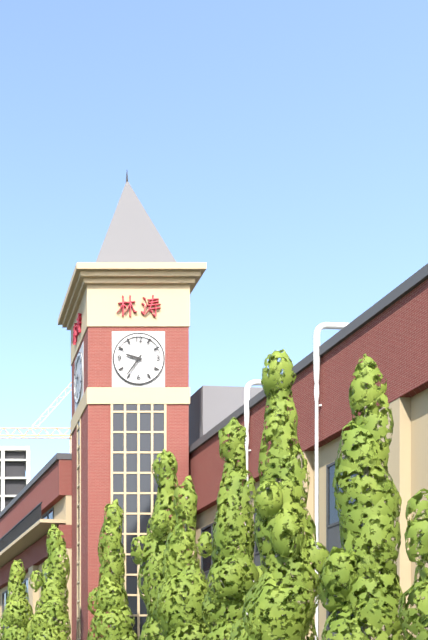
9:36
